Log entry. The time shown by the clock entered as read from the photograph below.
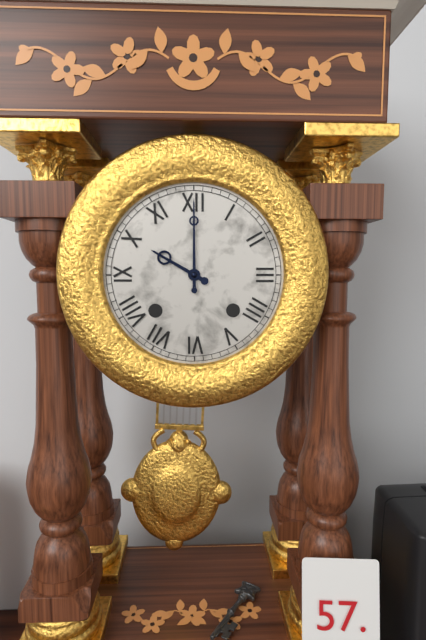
10:00
